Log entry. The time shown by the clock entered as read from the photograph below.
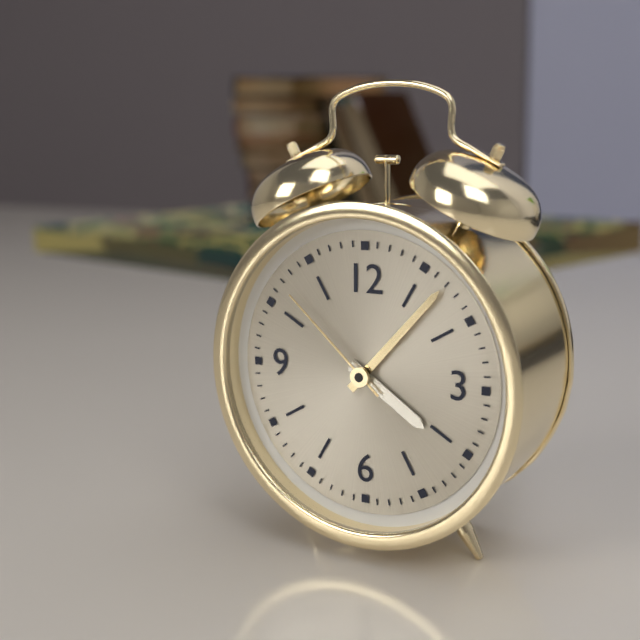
4:07:52
